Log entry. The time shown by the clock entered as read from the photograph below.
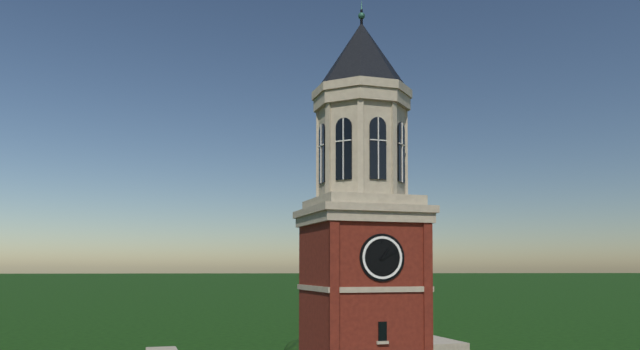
1:11
